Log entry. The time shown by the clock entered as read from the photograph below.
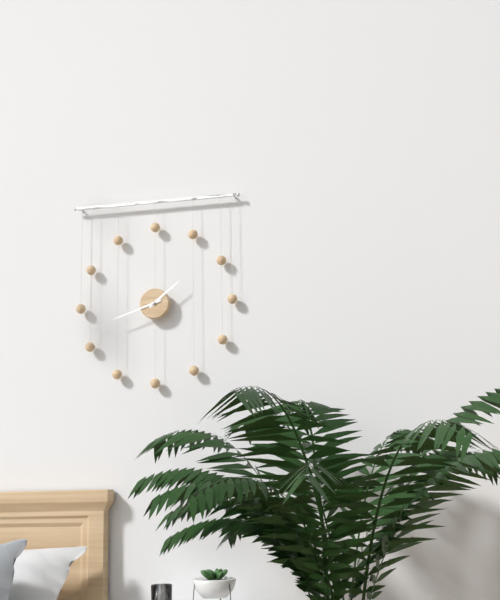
1:42
